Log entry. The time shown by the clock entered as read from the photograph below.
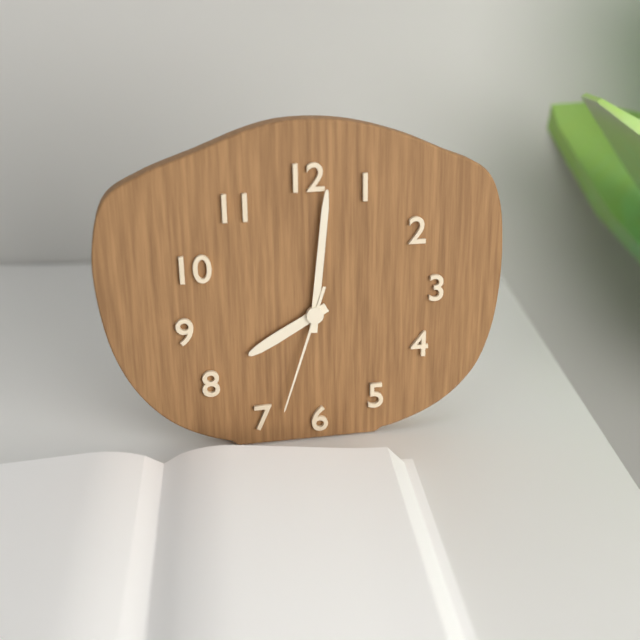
8:01:33
